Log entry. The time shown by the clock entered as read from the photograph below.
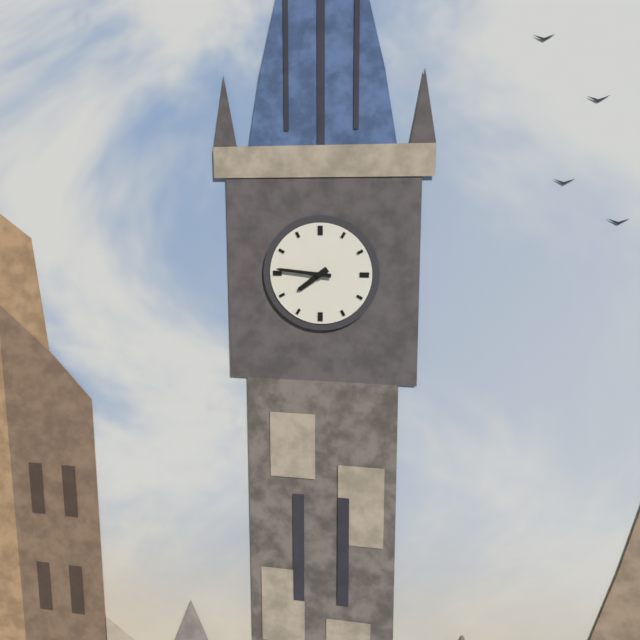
7:46
